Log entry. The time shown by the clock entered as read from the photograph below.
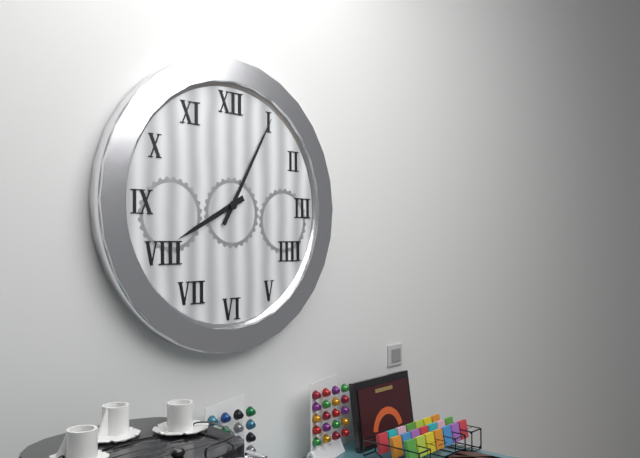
8:05
